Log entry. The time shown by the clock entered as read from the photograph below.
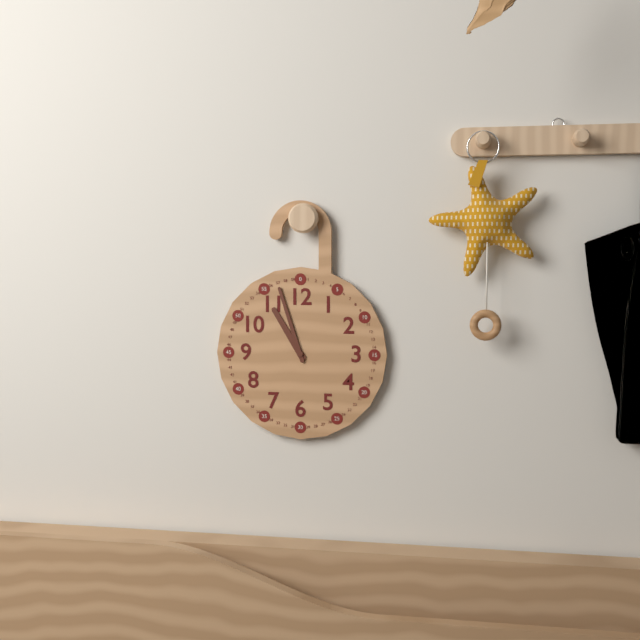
10:57
